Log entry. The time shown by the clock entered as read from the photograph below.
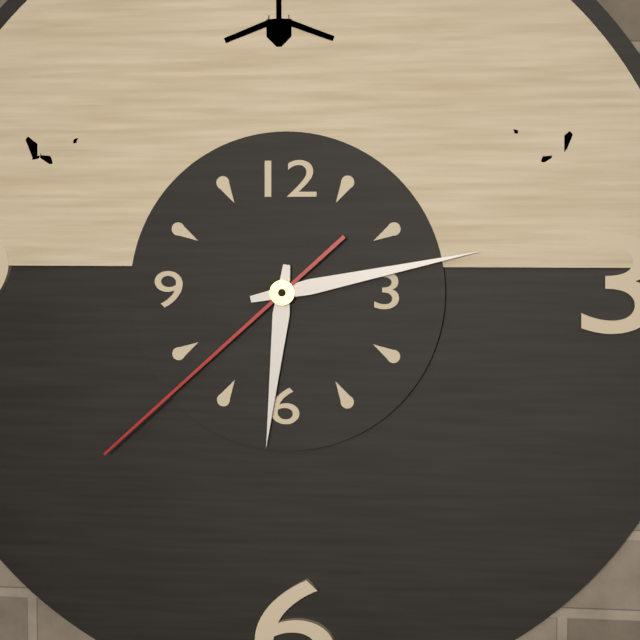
6:13:38
